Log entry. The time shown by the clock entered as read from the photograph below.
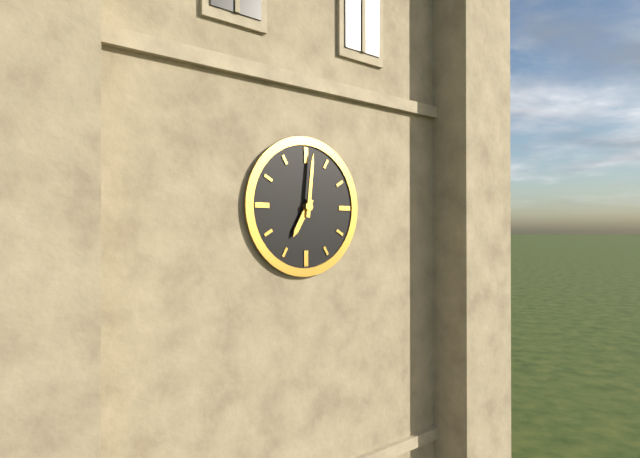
7:01
